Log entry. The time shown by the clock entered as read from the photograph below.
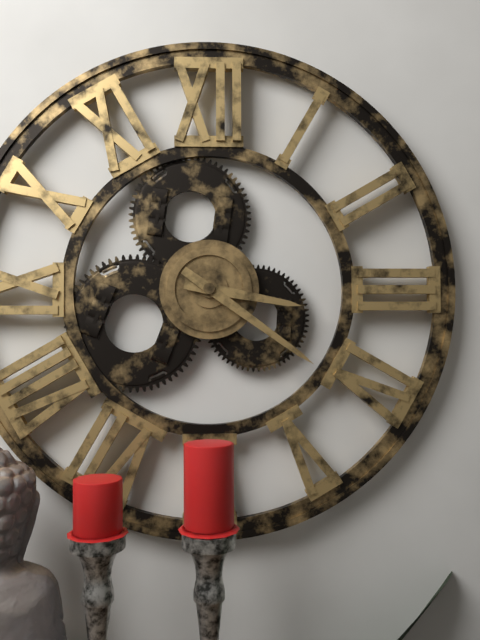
3:21
